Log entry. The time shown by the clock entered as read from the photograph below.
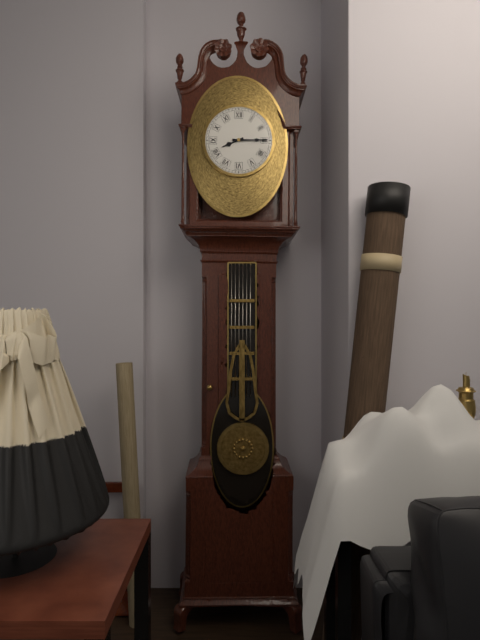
8:15
